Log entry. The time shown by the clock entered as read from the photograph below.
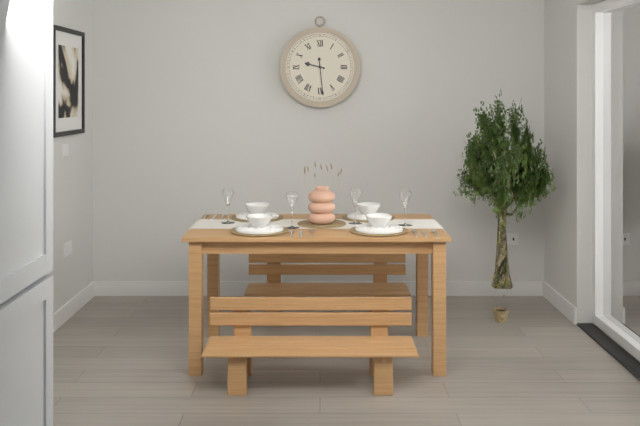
9:29
